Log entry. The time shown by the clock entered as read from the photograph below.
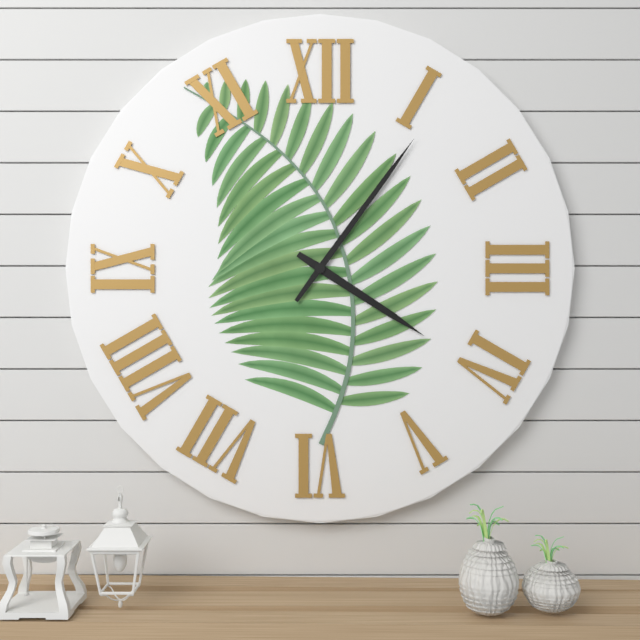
4:06
